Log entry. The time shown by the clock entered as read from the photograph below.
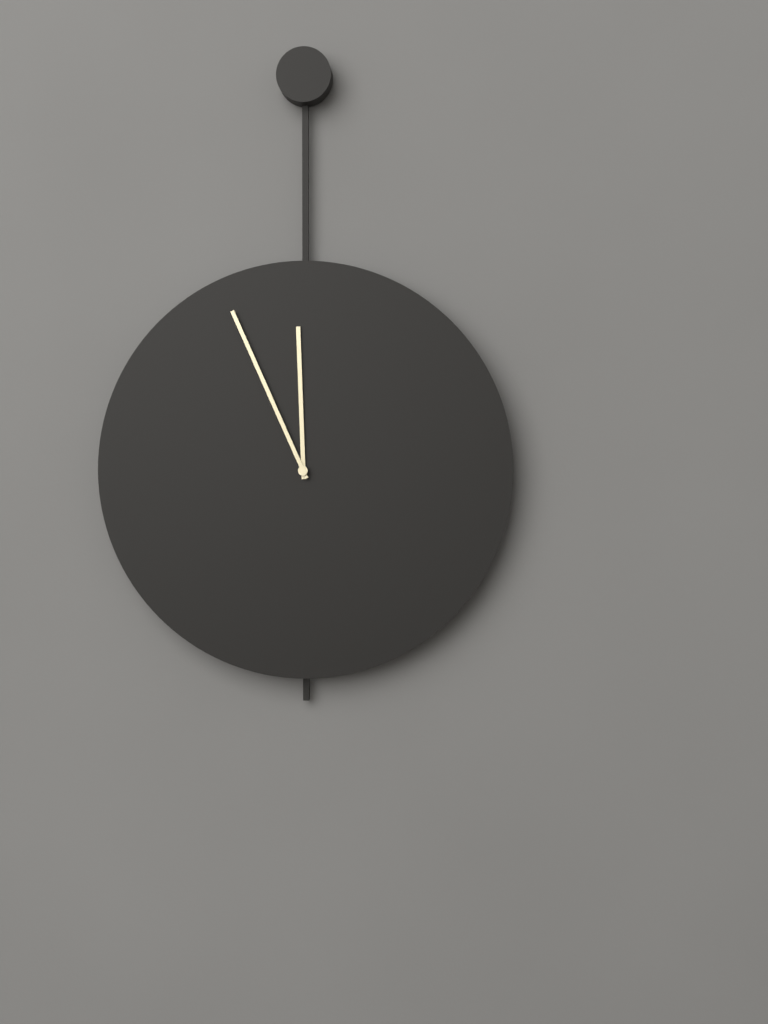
11:56
